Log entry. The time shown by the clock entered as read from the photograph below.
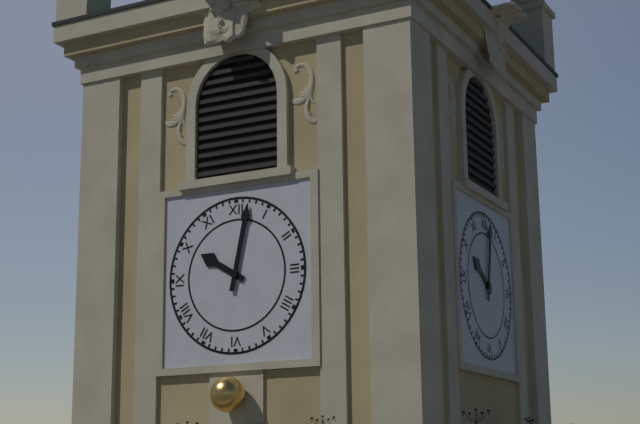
10:02
